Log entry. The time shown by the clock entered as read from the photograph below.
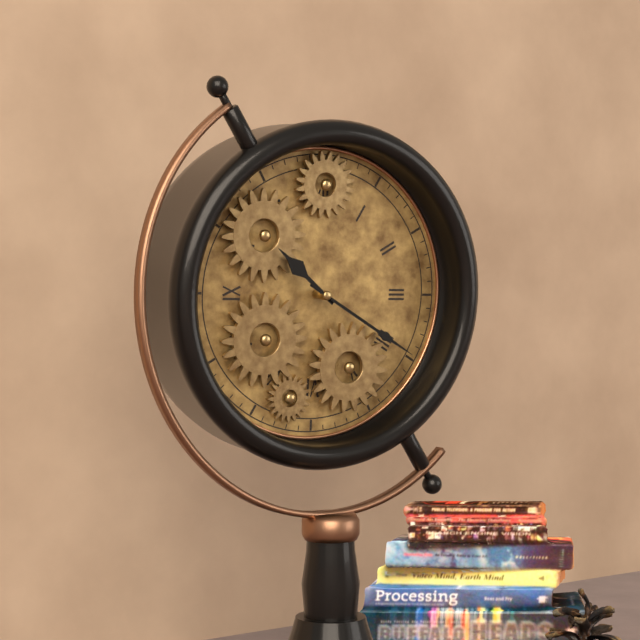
10:20
